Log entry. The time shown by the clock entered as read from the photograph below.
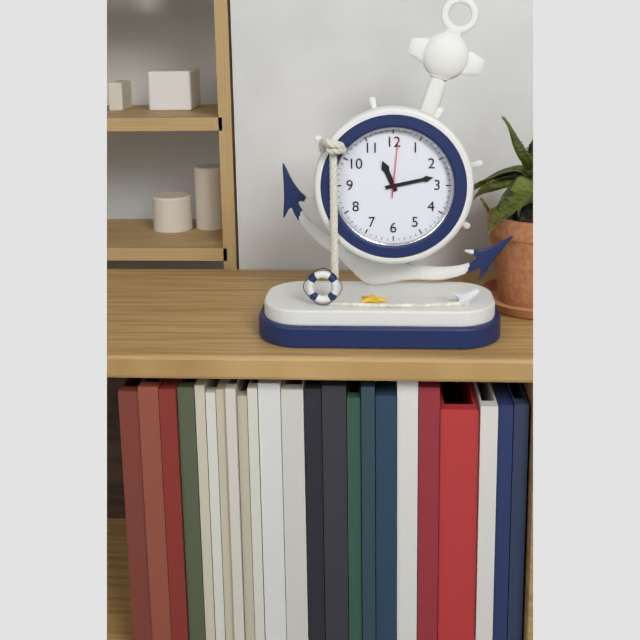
11:13:01
